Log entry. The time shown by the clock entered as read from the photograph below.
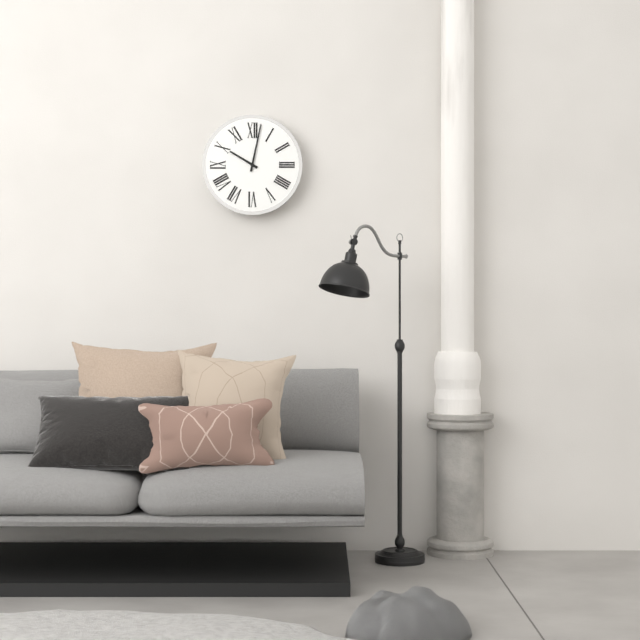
10:02
